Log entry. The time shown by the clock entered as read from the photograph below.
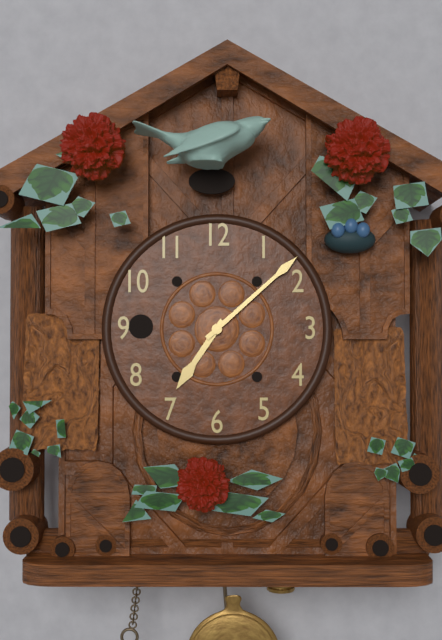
7:08
